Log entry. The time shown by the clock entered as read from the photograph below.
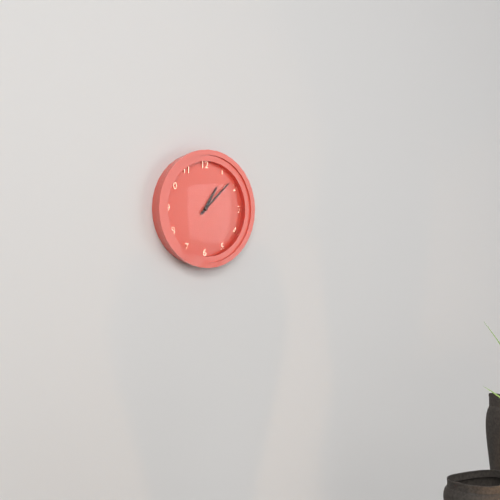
1:08
